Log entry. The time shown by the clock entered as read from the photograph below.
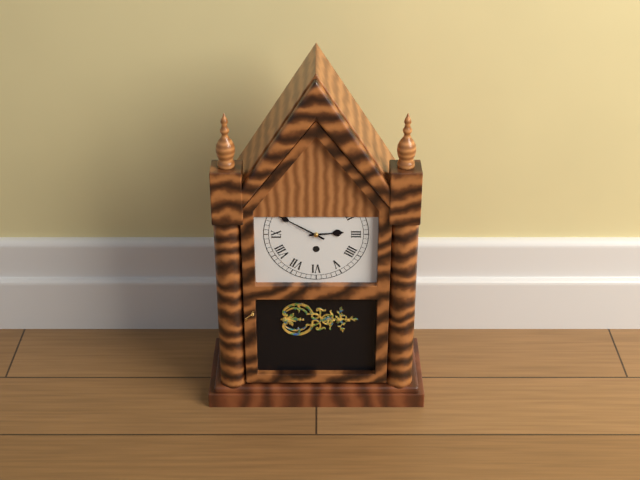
2:50
